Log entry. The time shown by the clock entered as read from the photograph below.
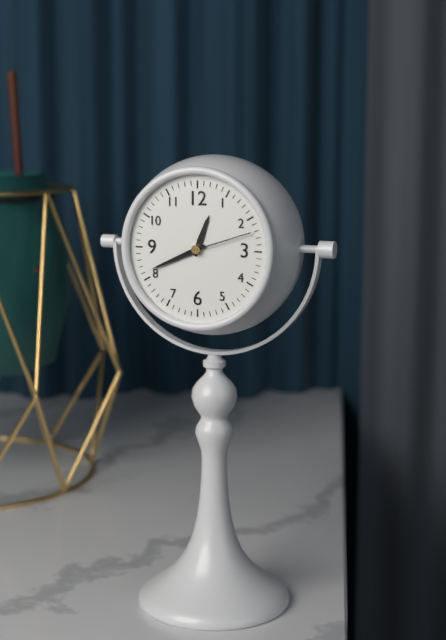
12:41:12
